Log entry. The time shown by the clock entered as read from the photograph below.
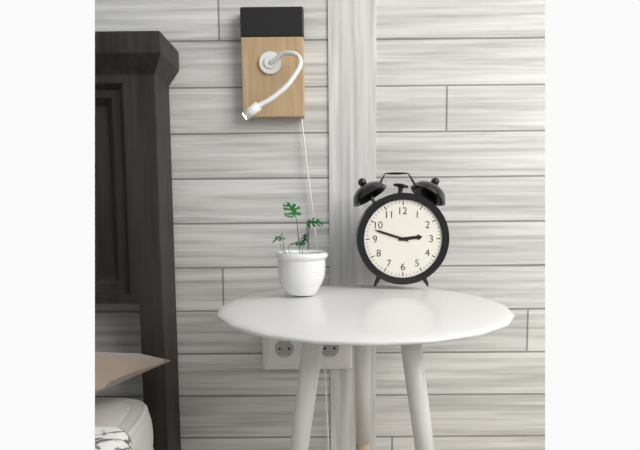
2:48
